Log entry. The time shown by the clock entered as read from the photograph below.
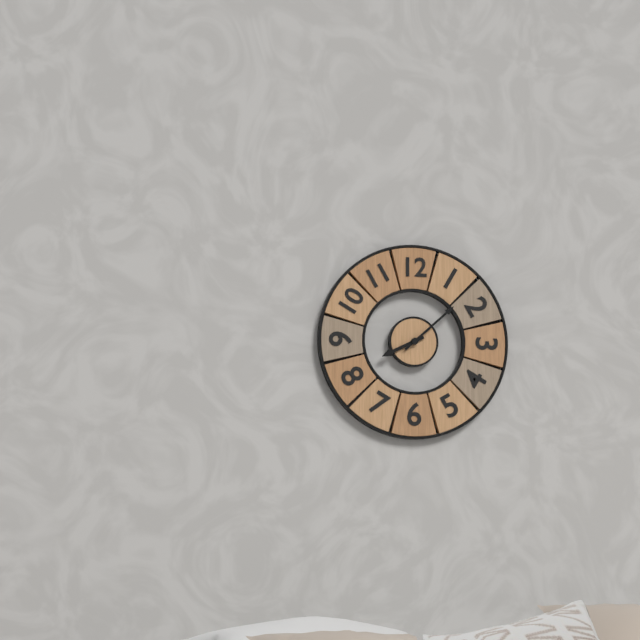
8:08
